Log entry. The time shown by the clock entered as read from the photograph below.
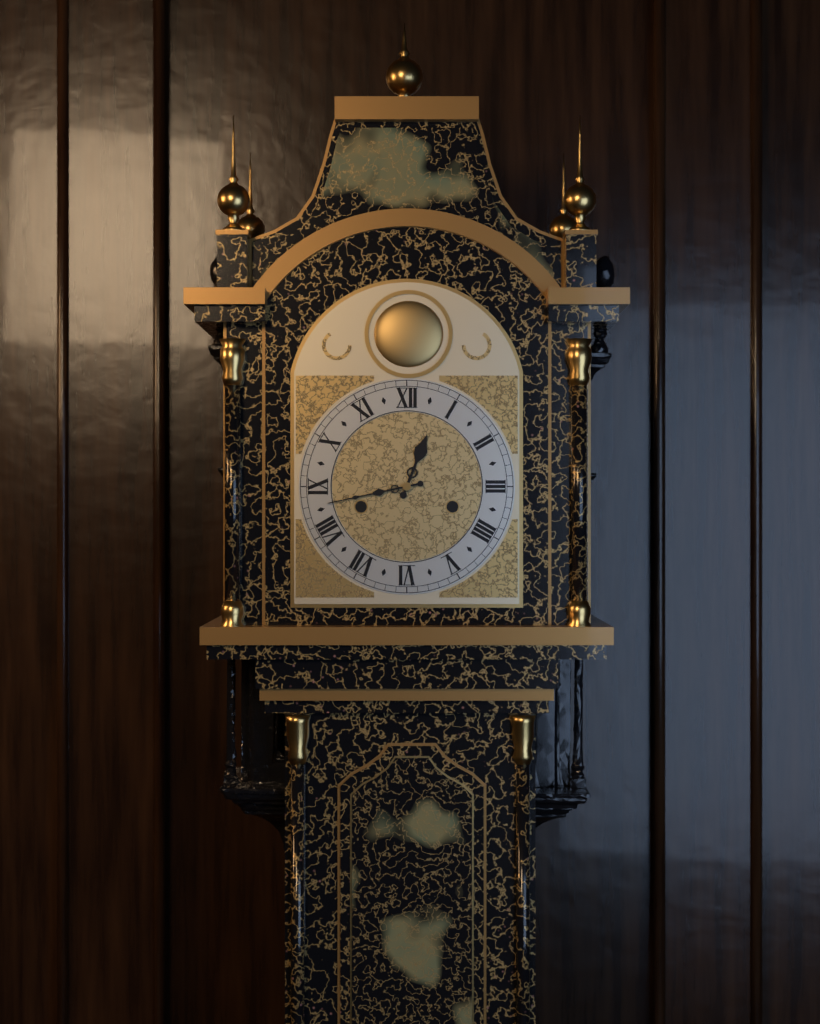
12:43
